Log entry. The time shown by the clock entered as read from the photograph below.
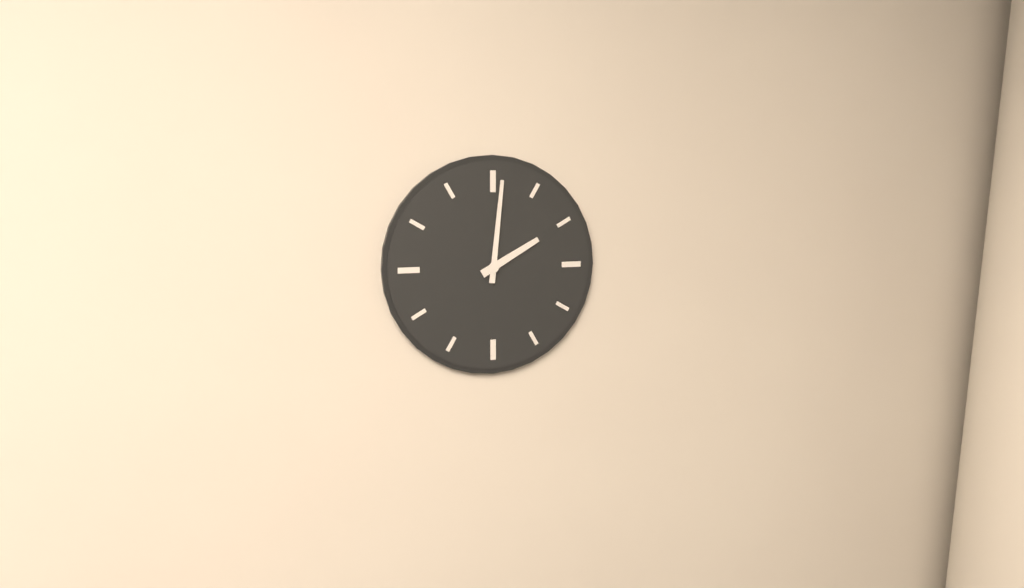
2:01
